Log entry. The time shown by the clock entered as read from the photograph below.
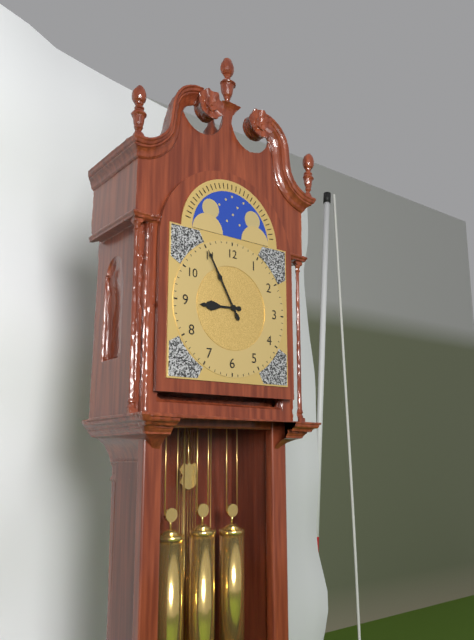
8:55
